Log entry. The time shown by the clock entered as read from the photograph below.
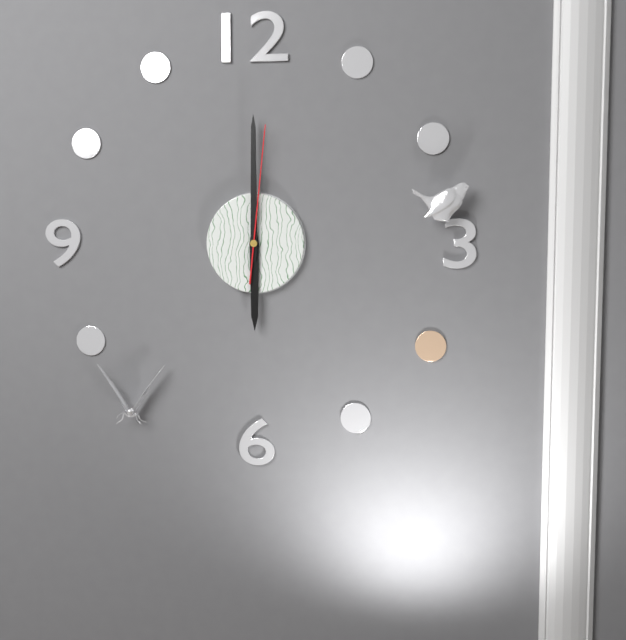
6:00:01
